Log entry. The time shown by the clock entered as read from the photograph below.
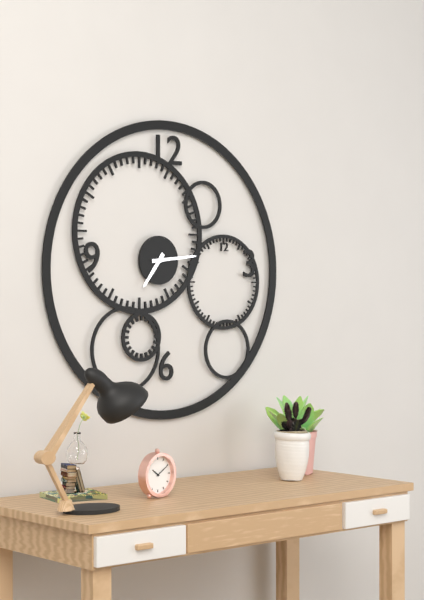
7:14
